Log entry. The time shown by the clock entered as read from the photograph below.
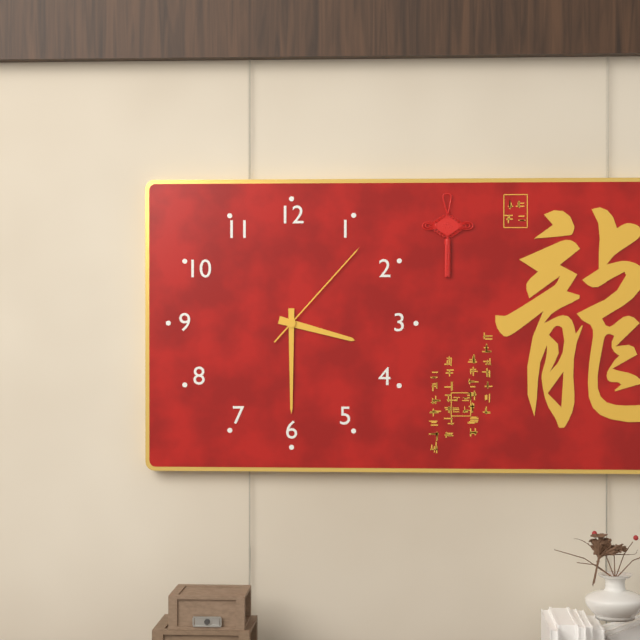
3:30:07
